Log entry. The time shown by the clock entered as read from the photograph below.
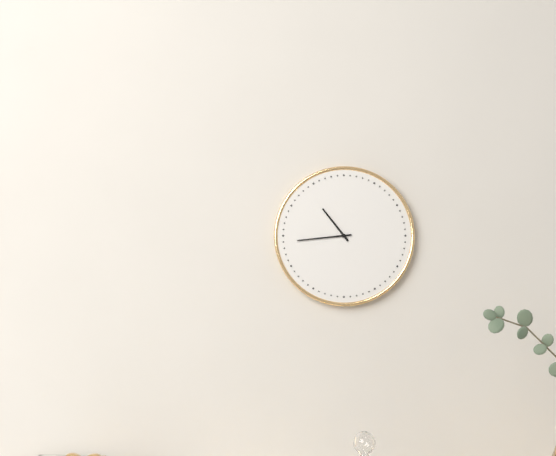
10:44
